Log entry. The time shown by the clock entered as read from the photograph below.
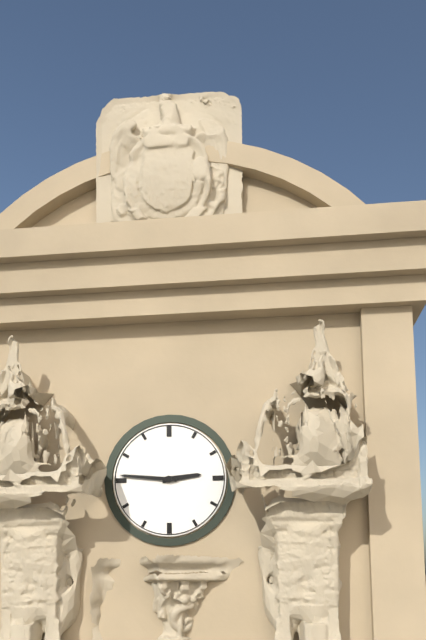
2:46
